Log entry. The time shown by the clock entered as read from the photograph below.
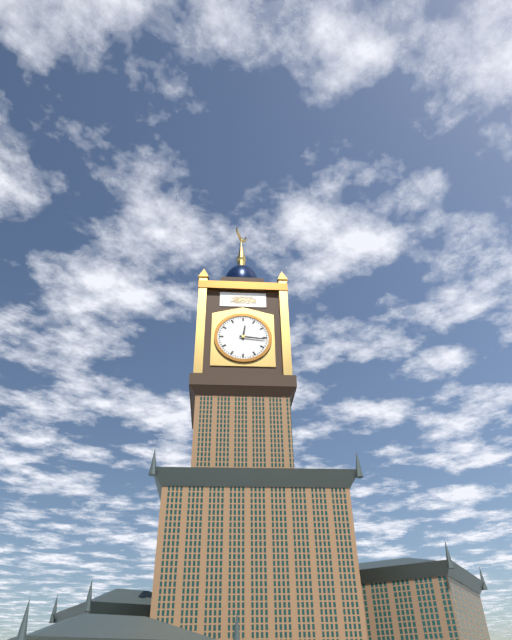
12:16
